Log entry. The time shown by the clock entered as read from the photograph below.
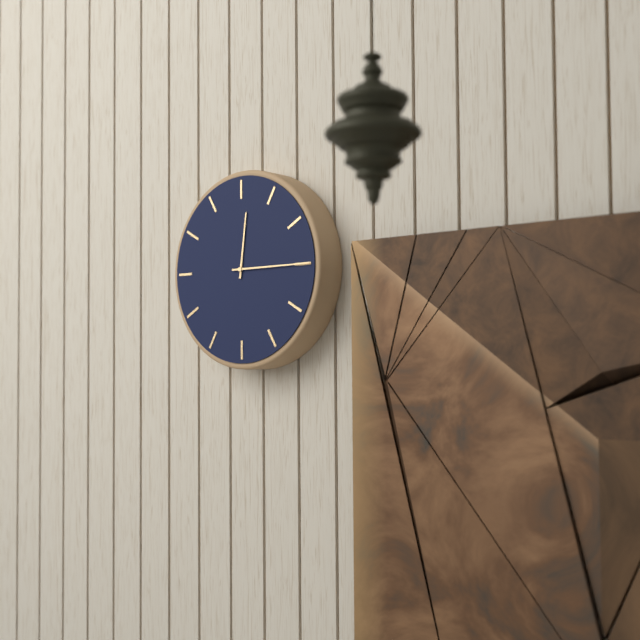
12:15
